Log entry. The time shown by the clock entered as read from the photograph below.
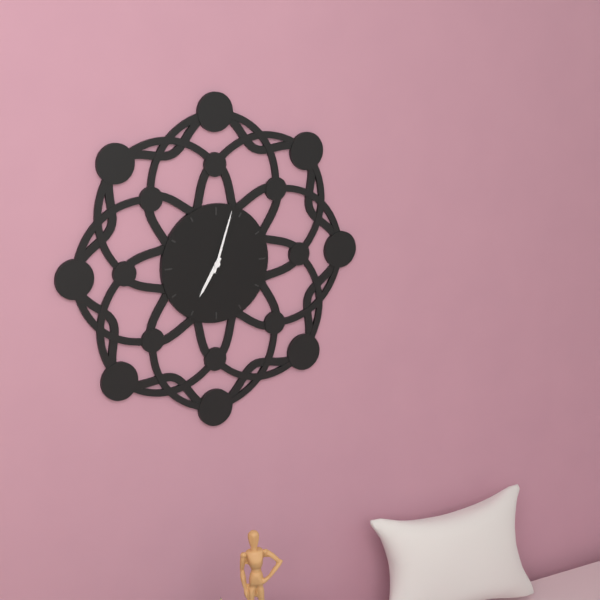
7:03
